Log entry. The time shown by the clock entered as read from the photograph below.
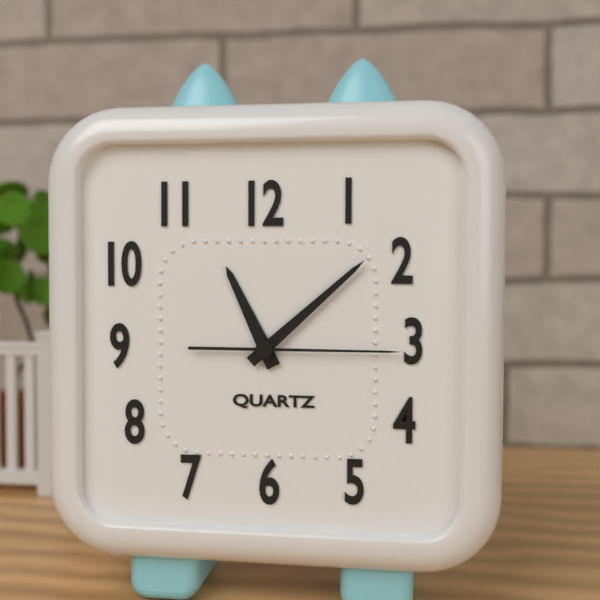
11:08:15
